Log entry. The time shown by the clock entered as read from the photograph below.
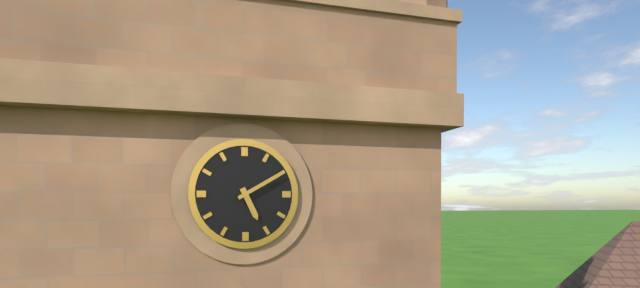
5:10
